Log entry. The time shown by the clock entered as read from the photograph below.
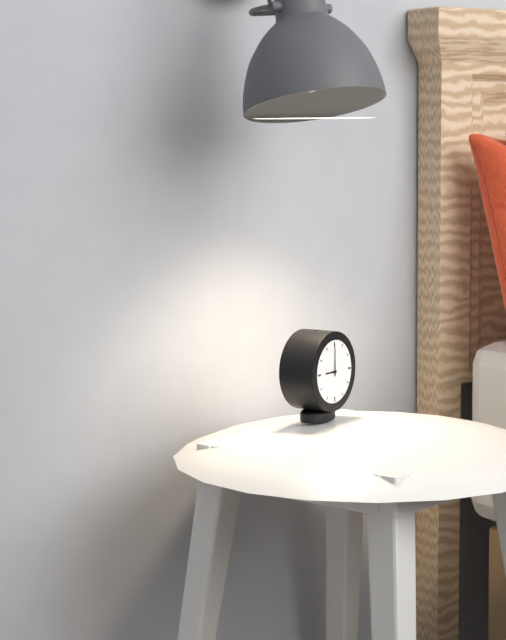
9:00
